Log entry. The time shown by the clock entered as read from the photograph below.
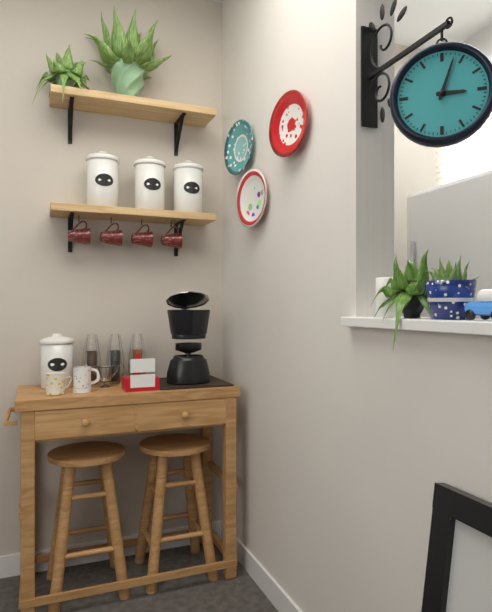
3:03
